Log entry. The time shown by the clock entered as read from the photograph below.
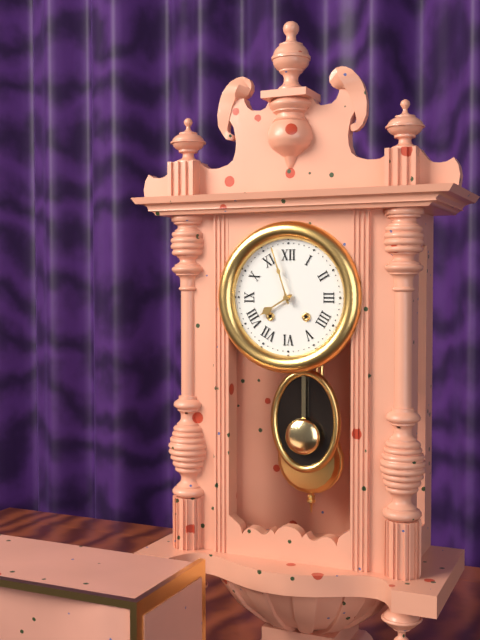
7:57
